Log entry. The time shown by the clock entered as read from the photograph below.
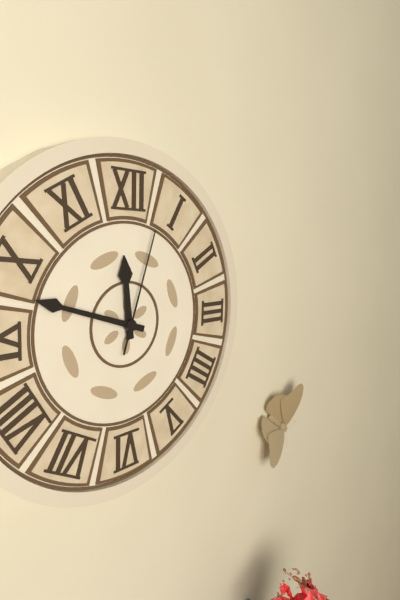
11:48:03
